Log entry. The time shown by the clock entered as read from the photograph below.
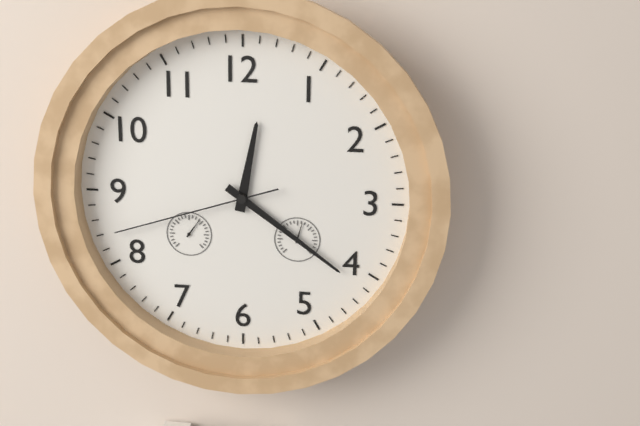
12:21:42
